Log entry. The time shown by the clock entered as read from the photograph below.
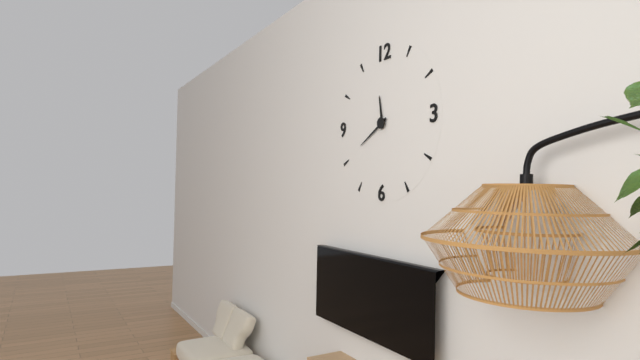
11:40
